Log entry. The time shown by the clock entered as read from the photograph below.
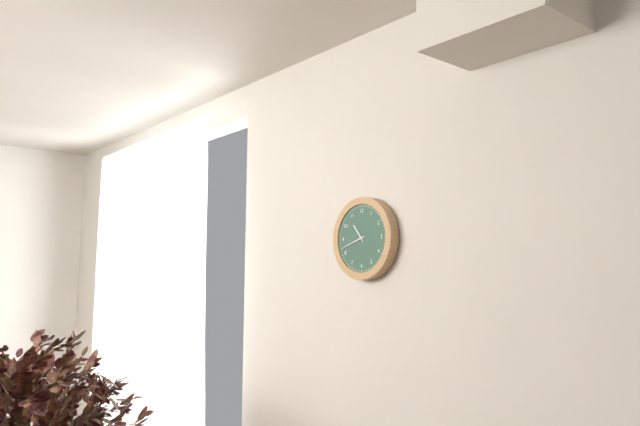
10:42
